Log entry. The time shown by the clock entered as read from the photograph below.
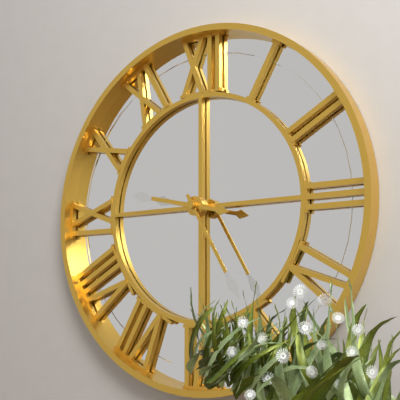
9:25
